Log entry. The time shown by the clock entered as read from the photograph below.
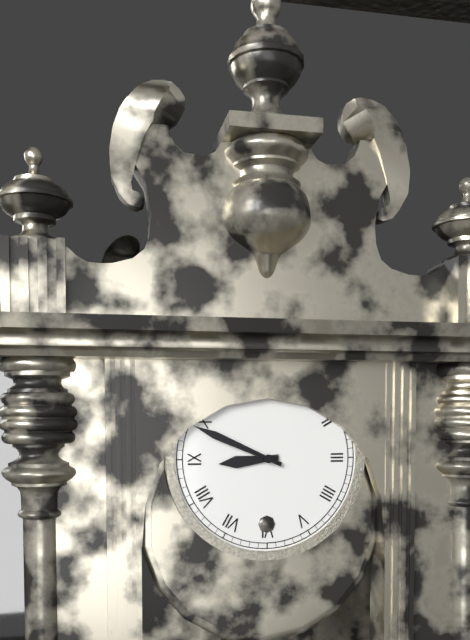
8:49
